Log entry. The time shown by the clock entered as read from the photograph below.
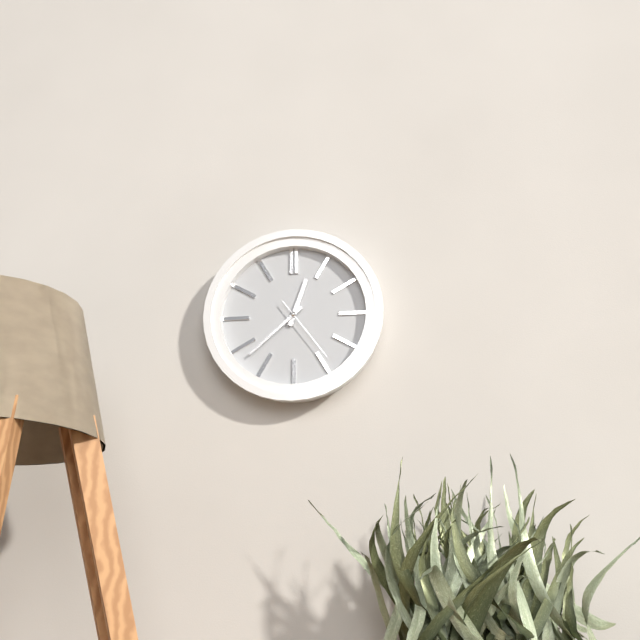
12:38:24
